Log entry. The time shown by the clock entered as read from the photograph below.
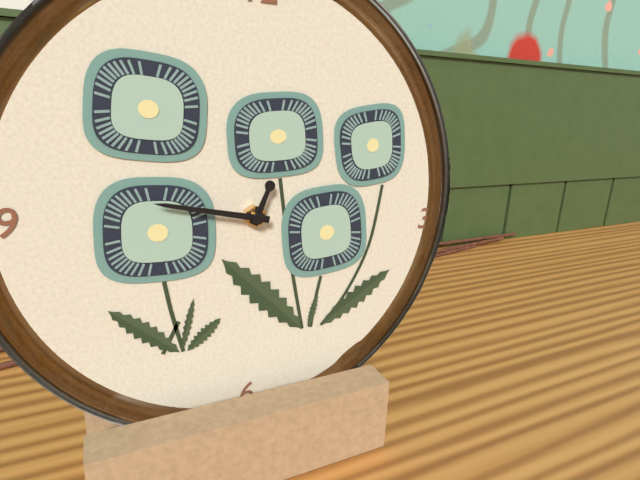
12:47
